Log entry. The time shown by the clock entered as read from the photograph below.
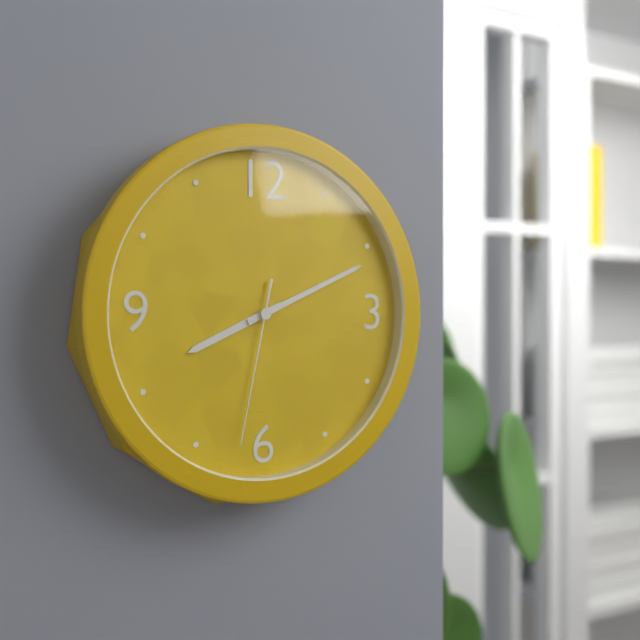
8:11:32
